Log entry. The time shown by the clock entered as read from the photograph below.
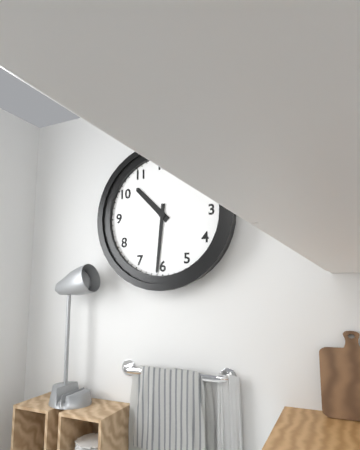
10:31
